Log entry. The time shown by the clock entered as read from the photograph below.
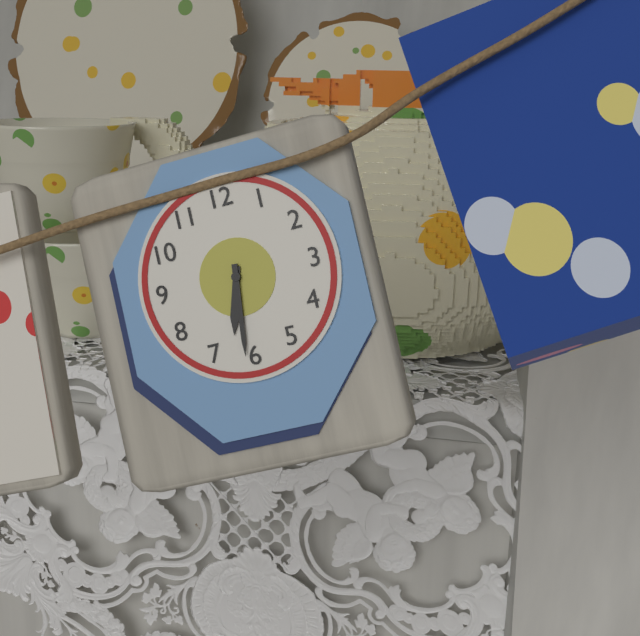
6:31
